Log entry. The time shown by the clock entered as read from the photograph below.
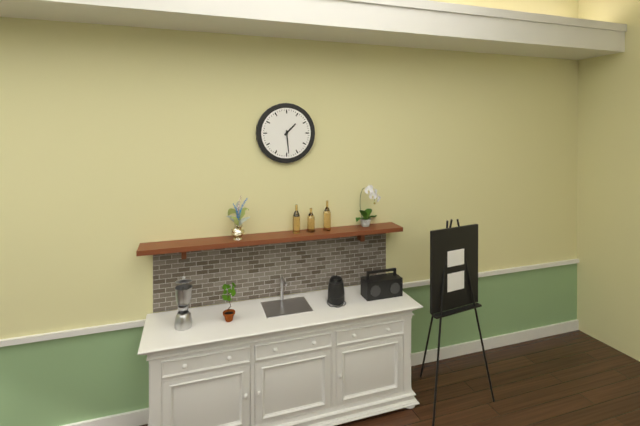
1:29
